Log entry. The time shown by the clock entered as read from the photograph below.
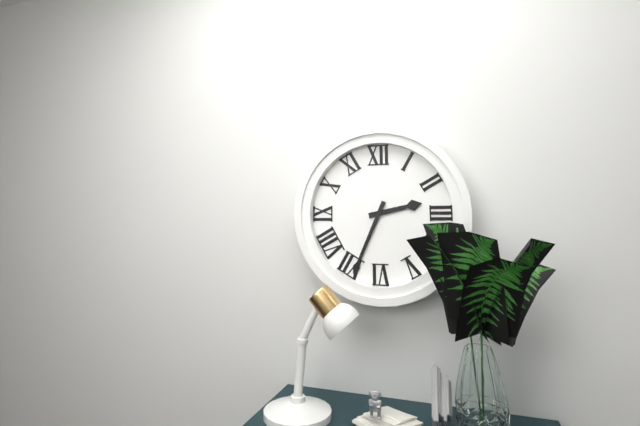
2:34
